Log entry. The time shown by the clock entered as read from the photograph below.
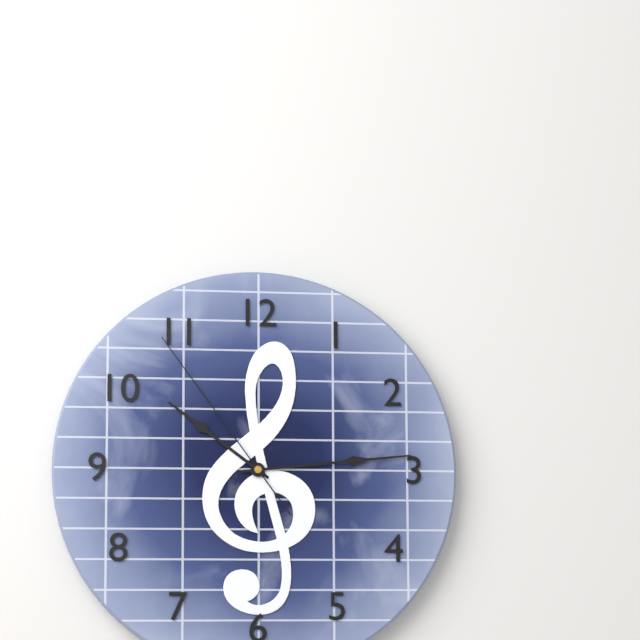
10:14:54
